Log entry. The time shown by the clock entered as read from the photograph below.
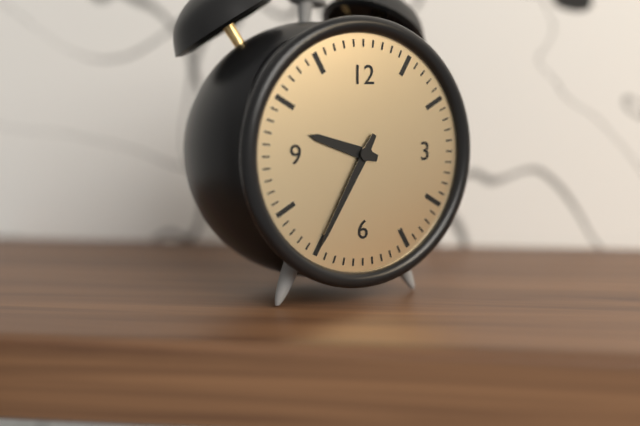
9:35
